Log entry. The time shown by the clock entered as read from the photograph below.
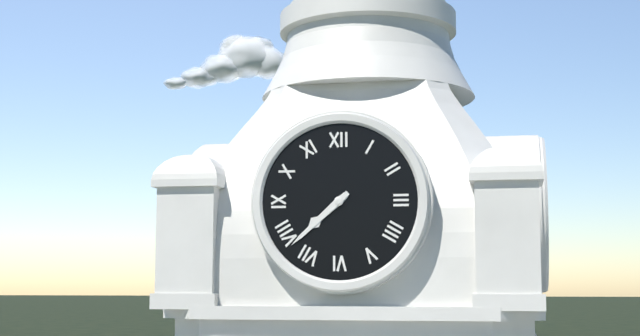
7:38
